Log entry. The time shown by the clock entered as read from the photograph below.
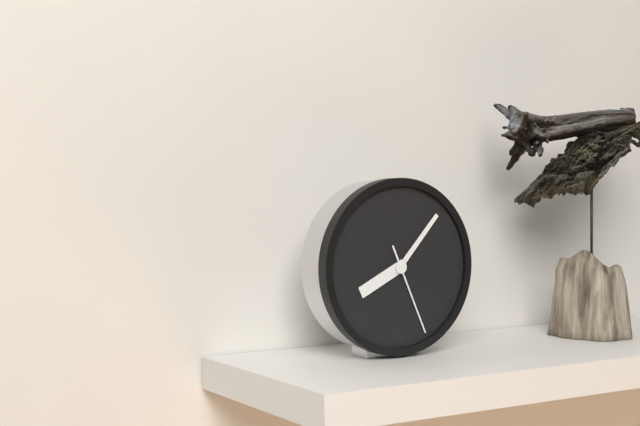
8:07:26
